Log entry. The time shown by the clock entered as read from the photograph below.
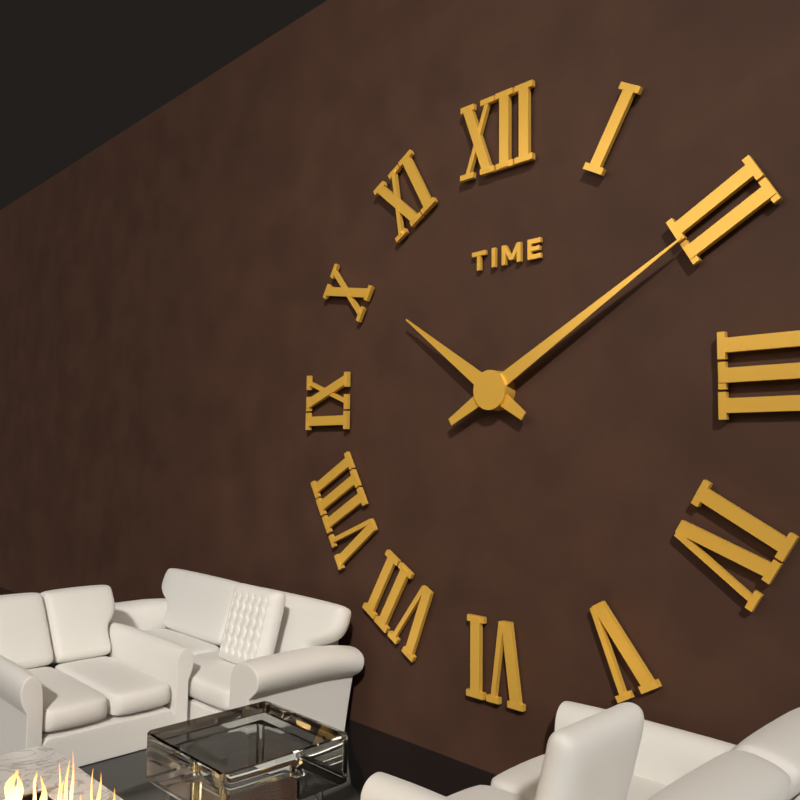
10:10
